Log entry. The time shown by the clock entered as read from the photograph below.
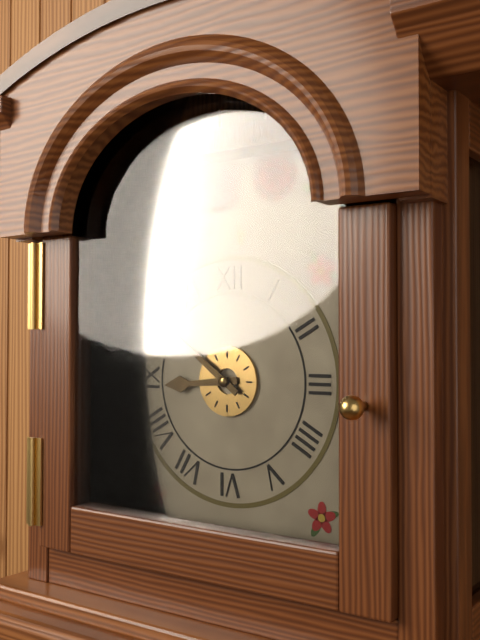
8:51
